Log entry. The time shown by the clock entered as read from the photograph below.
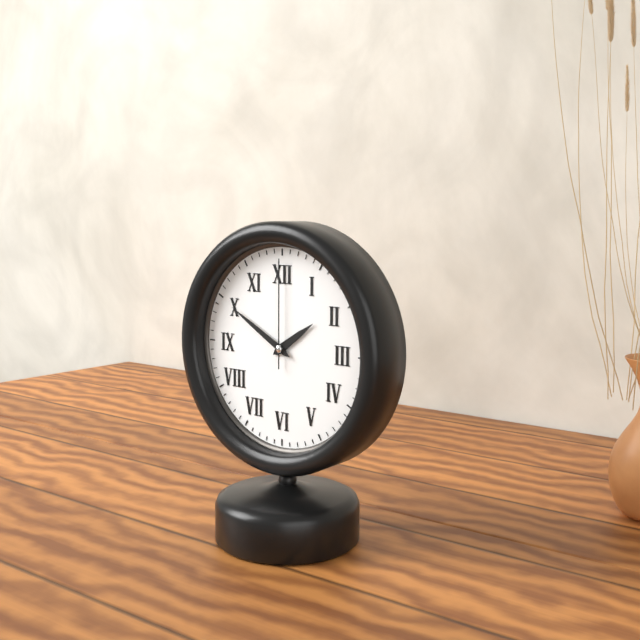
1:50:00
